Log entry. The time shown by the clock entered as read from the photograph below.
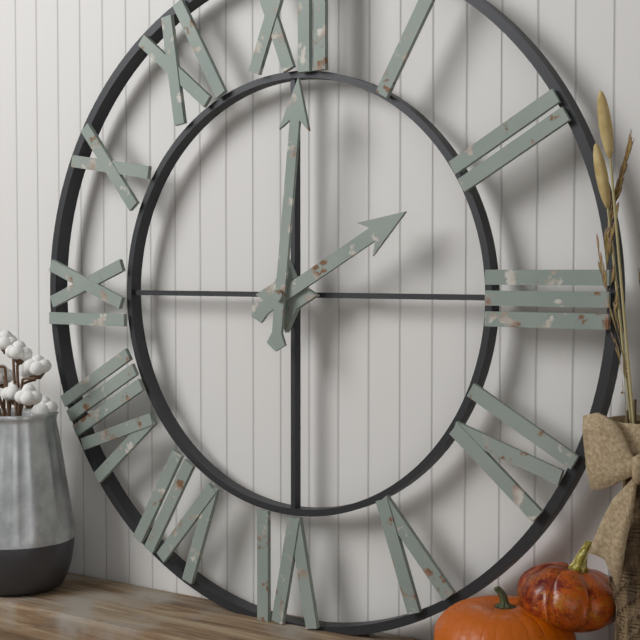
2:01
